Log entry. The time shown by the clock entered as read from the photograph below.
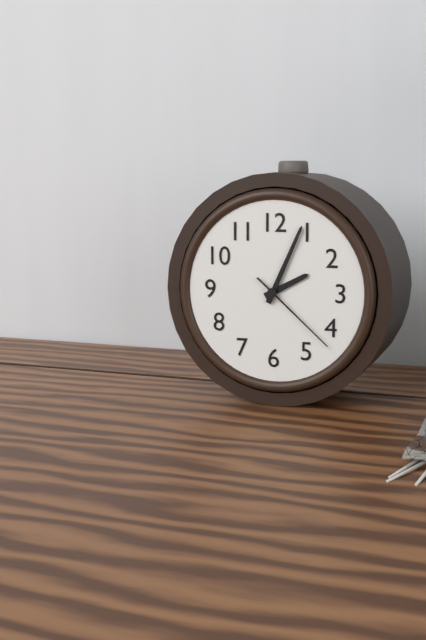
2:04:22
